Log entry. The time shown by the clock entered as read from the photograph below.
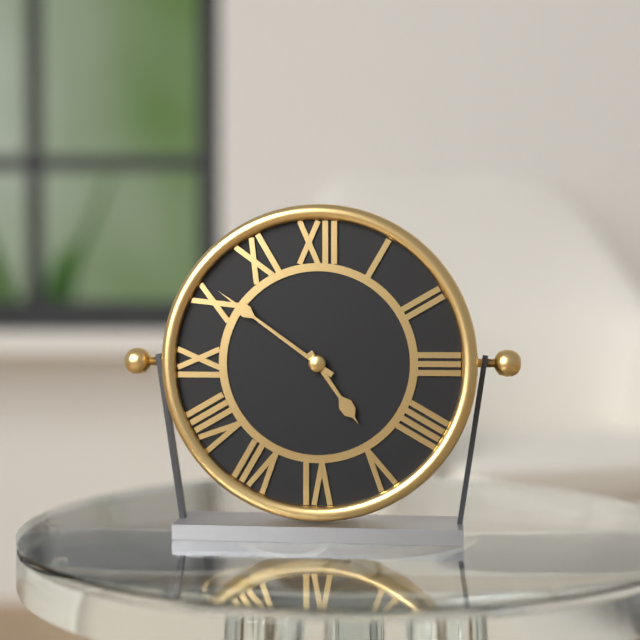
4:51
